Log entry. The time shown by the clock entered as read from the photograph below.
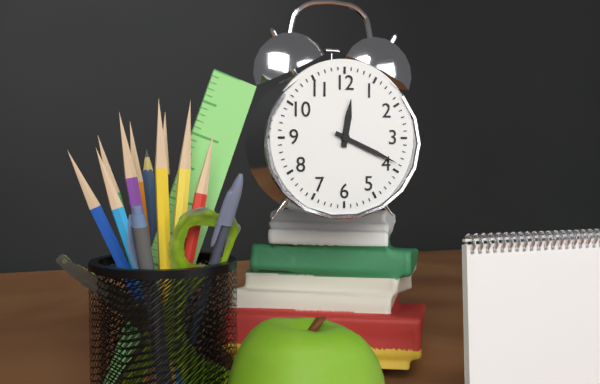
12:19
